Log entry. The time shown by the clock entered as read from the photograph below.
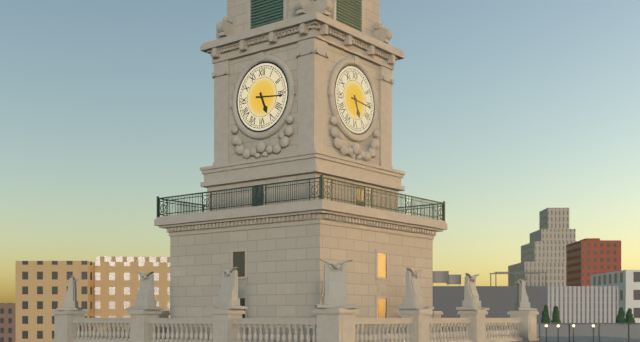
5:16
